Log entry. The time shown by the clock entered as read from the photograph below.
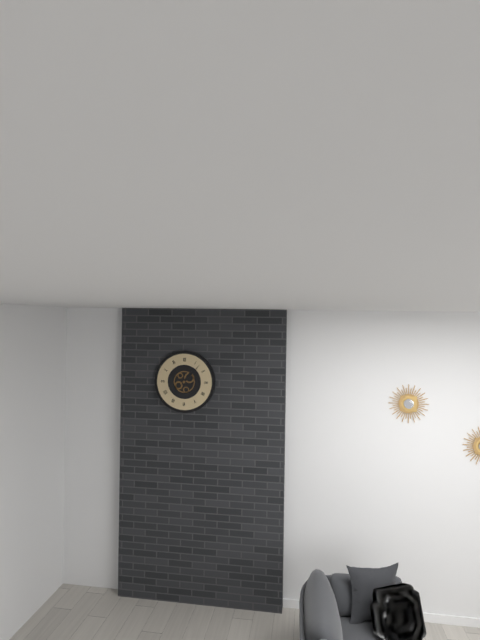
1:07
